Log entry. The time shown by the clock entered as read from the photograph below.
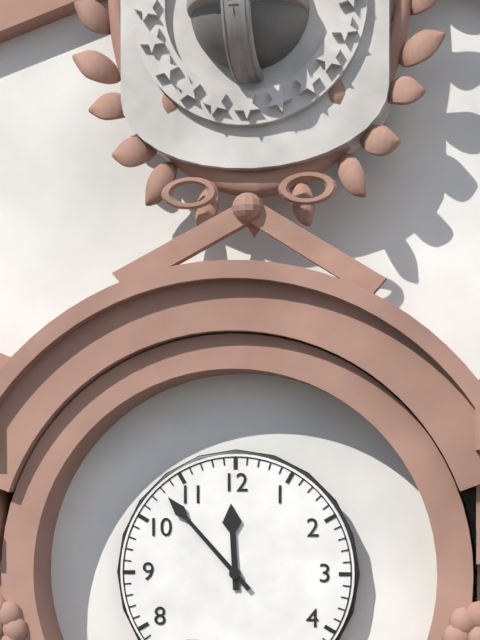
11:53
